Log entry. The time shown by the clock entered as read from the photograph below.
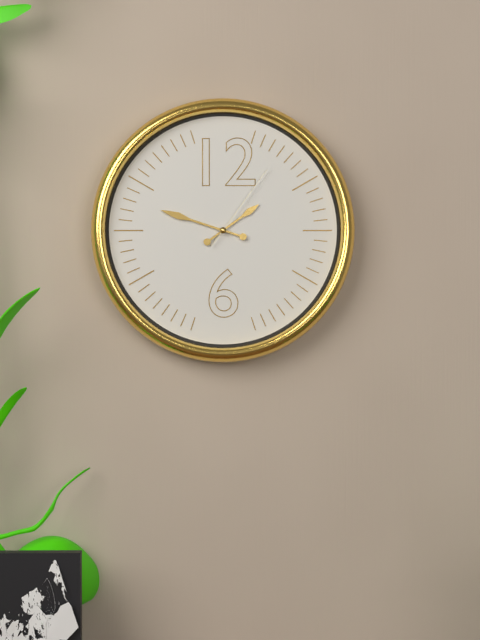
1:48:06
